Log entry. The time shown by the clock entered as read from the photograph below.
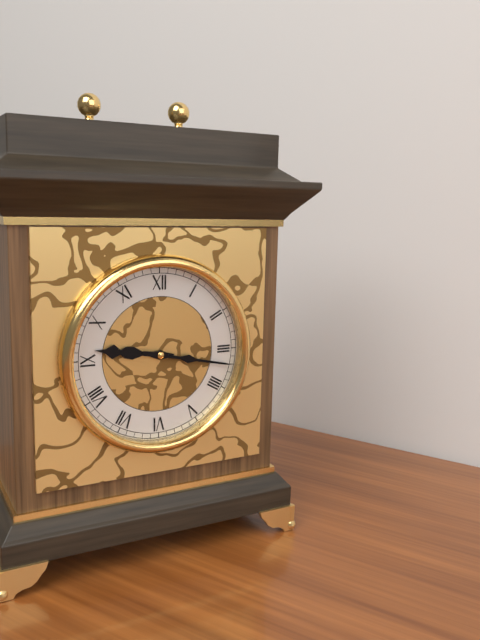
9:17
